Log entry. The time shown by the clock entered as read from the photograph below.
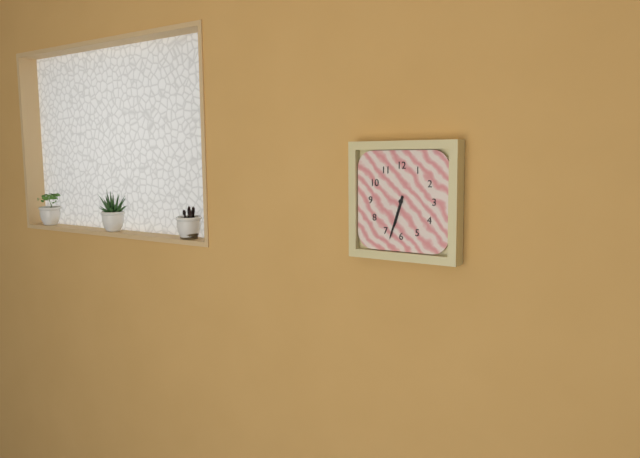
6:33
